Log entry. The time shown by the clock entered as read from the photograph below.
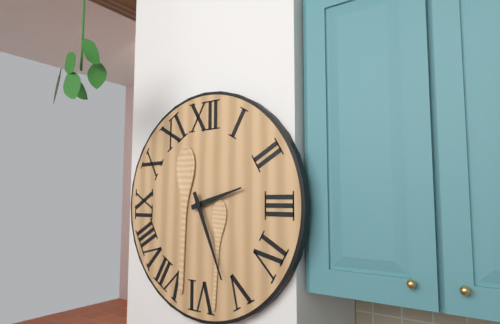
2:26
